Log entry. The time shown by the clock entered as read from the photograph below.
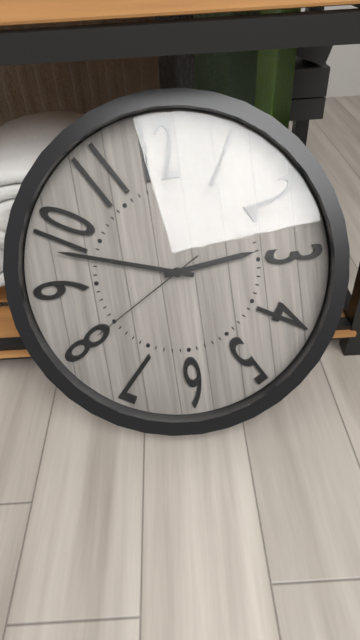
2:48:40
